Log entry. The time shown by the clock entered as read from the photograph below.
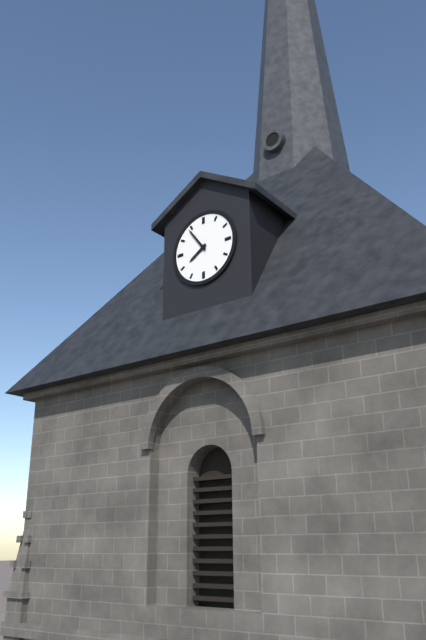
7:54
